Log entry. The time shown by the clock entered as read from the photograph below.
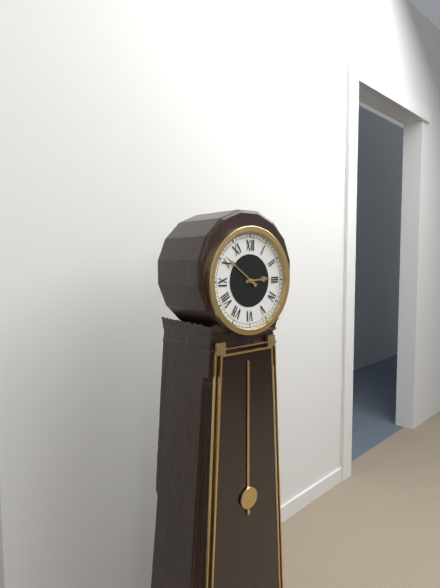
2:51
